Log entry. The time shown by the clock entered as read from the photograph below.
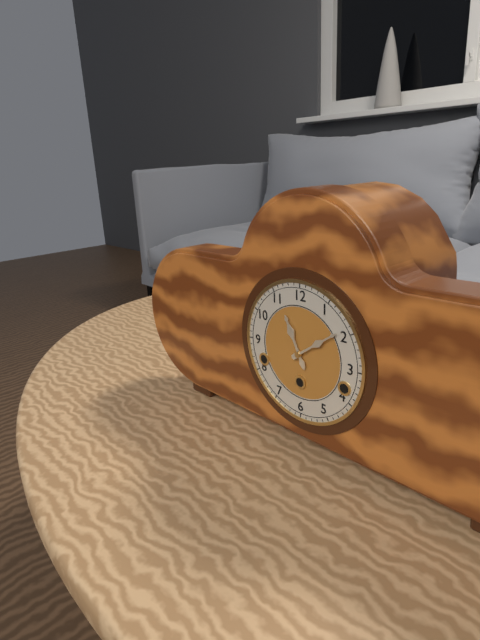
11:09
